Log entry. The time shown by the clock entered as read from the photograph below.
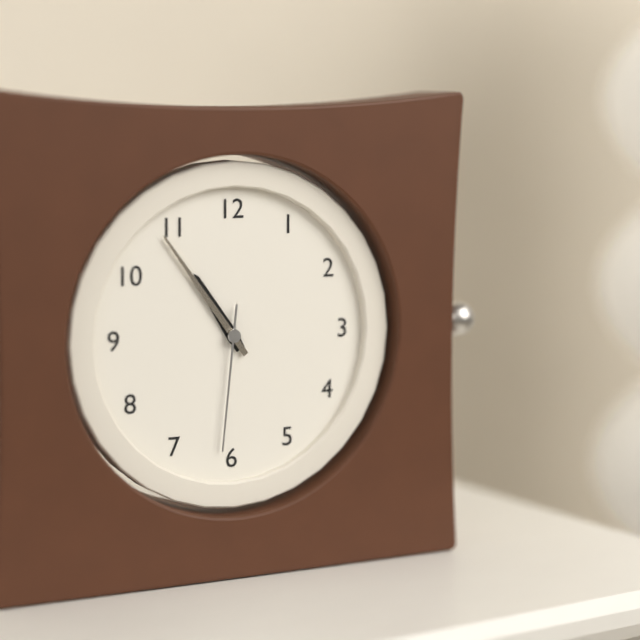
10:54:31
